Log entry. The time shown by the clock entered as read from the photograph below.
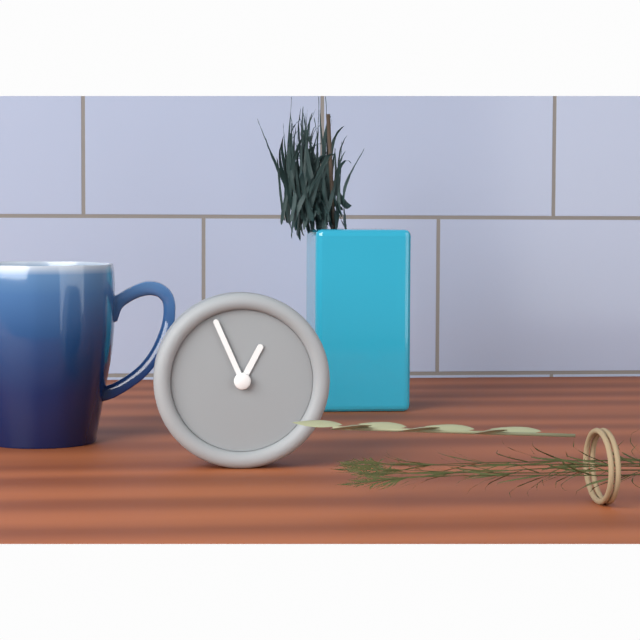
12:56
